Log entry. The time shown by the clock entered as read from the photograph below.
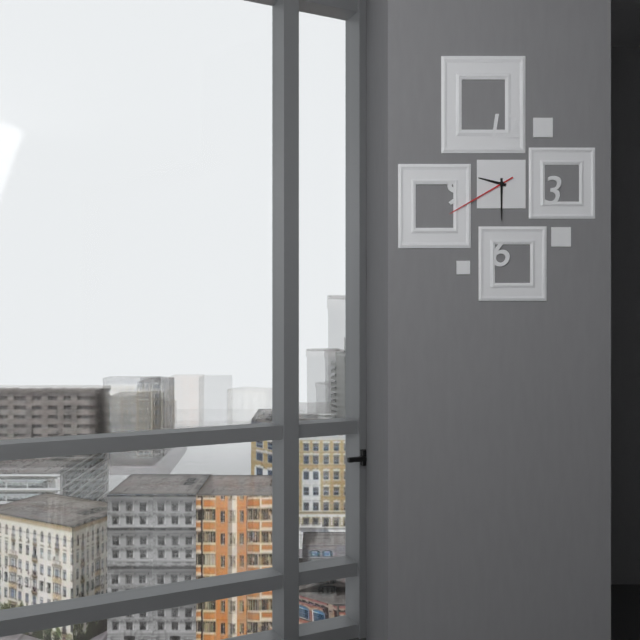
9:30:40
